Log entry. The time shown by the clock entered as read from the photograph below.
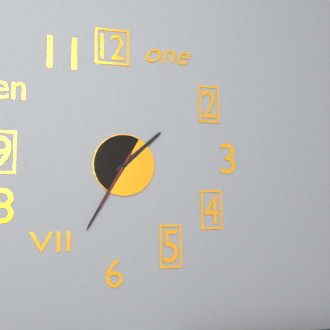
1:35:35
